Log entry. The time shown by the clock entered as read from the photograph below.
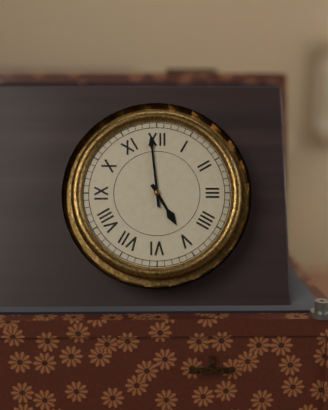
4:59
